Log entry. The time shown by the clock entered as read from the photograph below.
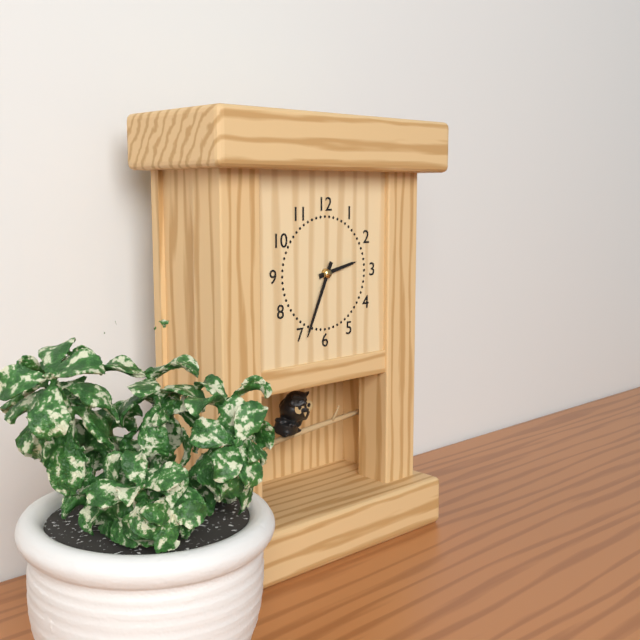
2:34
